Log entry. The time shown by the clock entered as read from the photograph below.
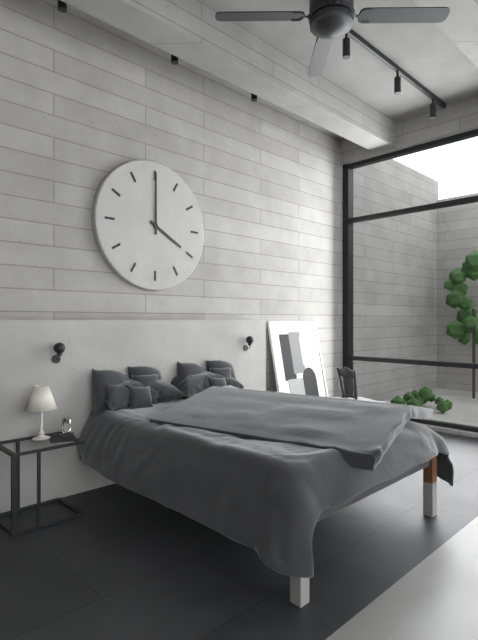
4:00
